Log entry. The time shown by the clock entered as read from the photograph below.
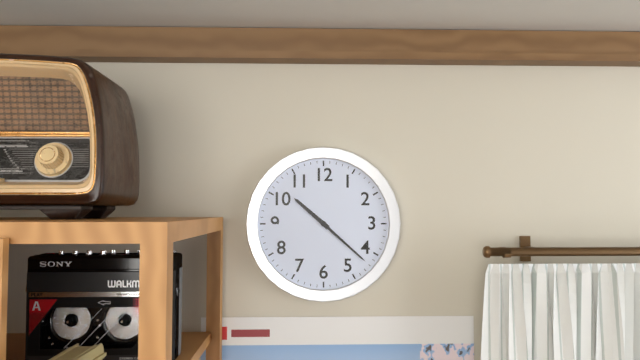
10:22
